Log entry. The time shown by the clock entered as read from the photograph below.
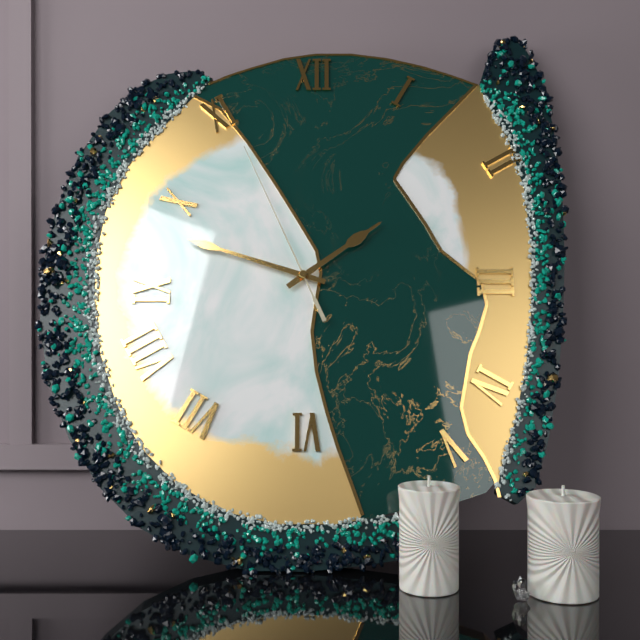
1:48:56
